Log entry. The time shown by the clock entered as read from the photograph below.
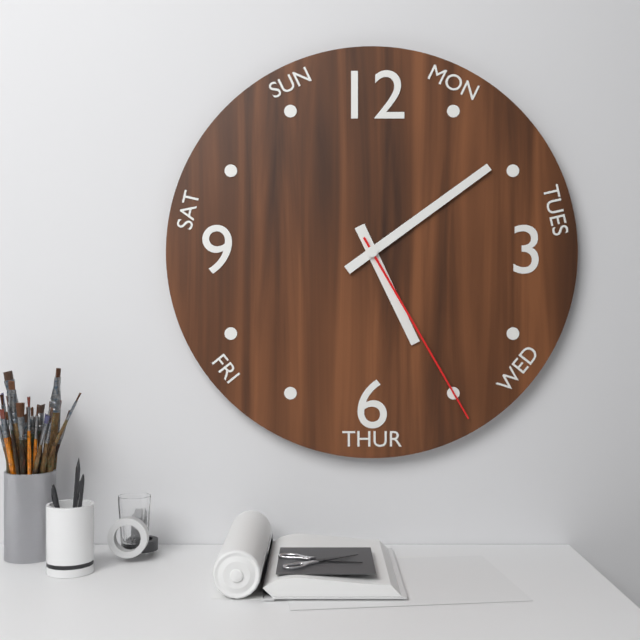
5:09:25
